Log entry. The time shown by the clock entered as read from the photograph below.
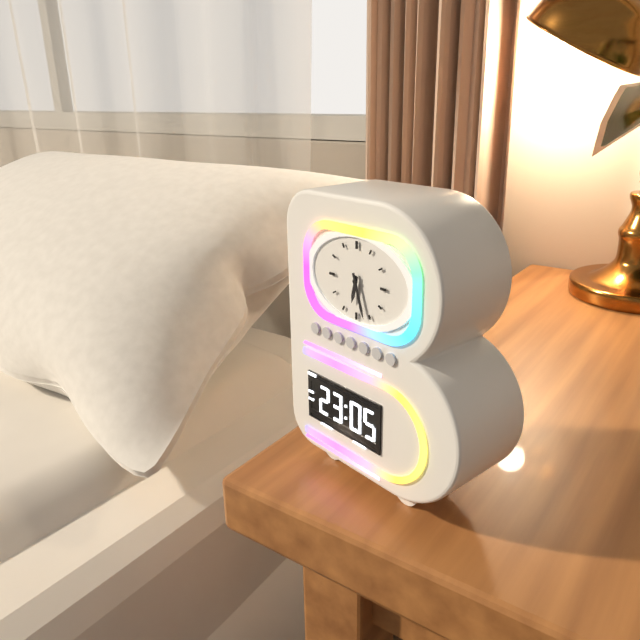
6:27
